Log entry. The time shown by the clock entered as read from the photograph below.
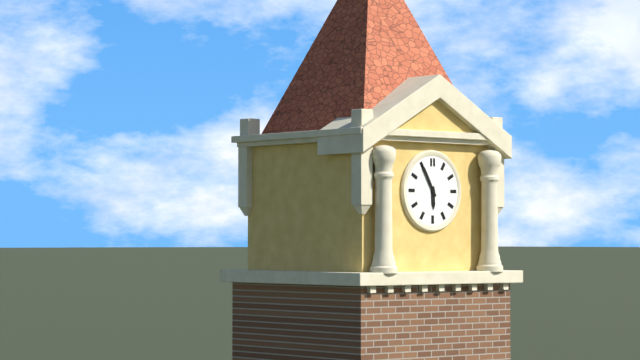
5:55
